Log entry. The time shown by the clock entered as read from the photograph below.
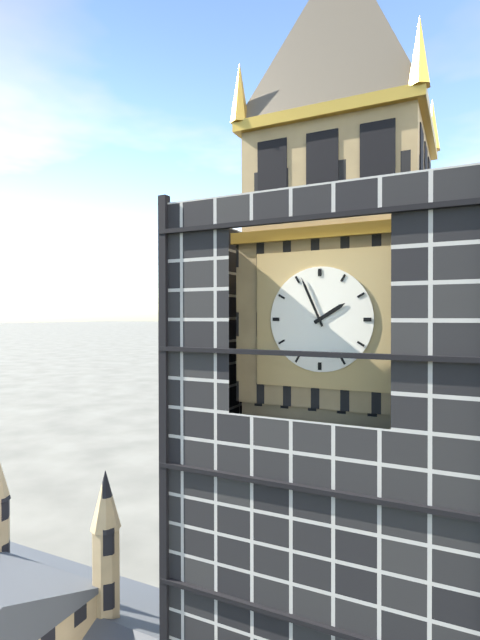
1:56
